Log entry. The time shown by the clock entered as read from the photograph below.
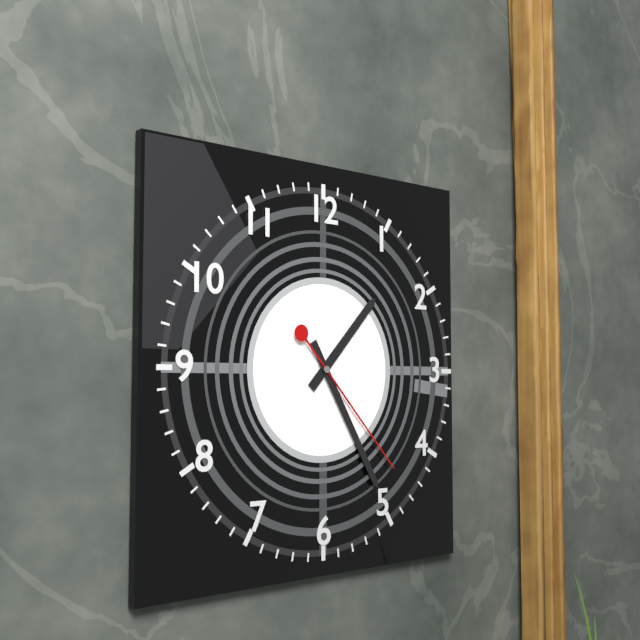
1:25:23
